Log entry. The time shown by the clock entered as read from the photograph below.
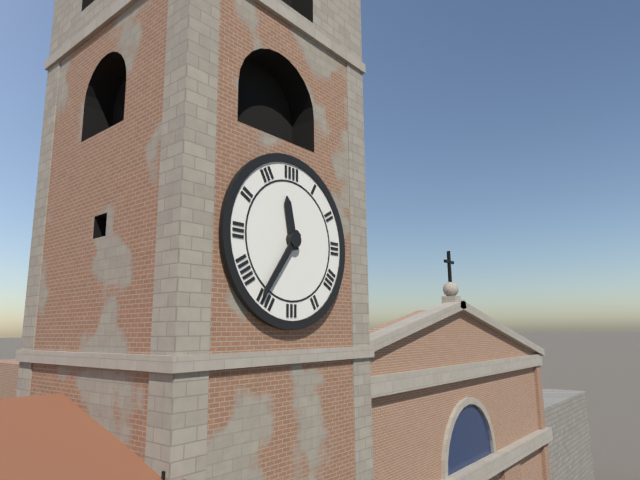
11:36
